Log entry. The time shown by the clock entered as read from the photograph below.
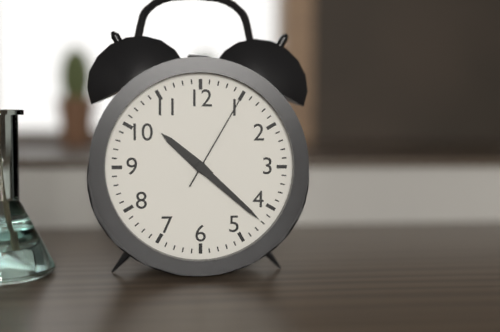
10:22:05
